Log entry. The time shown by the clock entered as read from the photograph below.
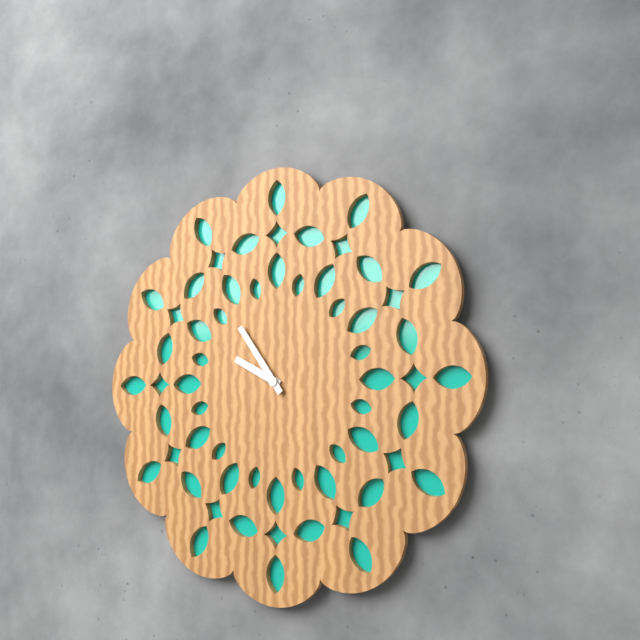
9:54
